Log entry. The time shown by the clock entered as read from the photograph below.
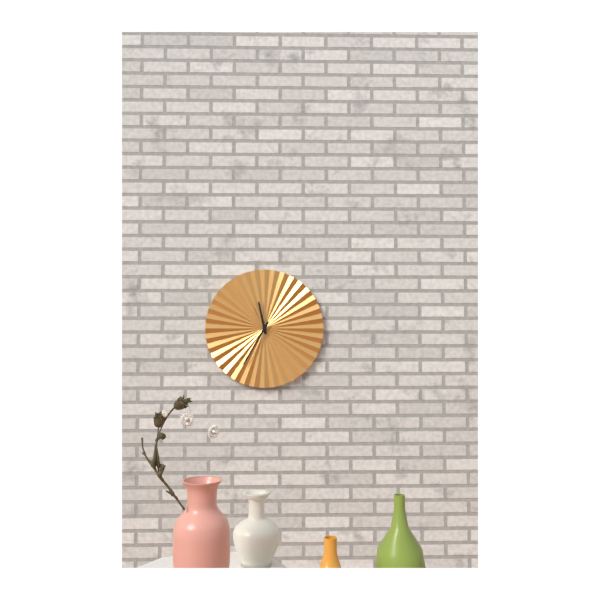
11:35
